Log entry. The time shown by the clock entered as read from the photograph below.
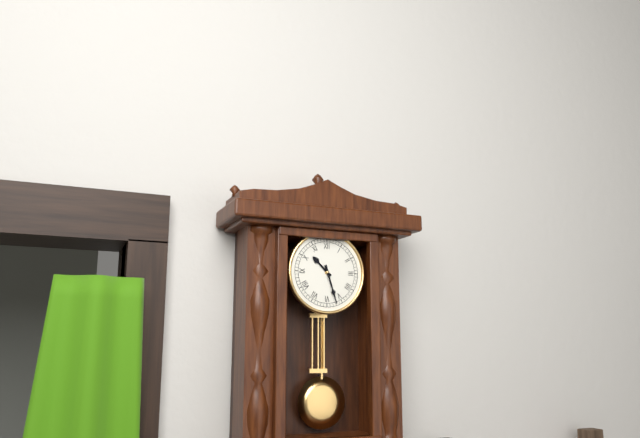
10:27
